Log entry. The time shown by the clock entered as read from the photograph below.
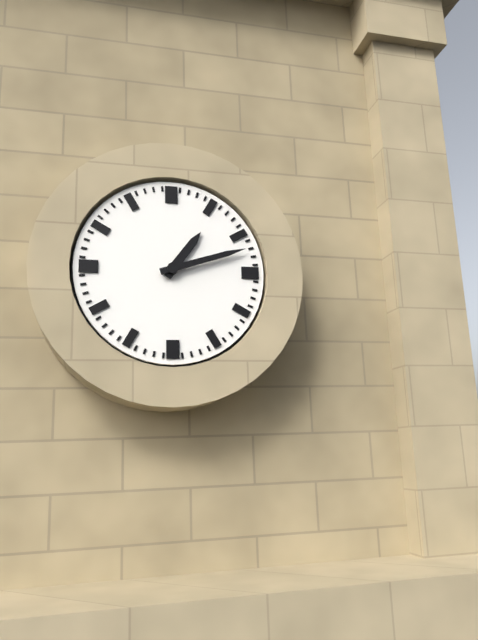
1:12
